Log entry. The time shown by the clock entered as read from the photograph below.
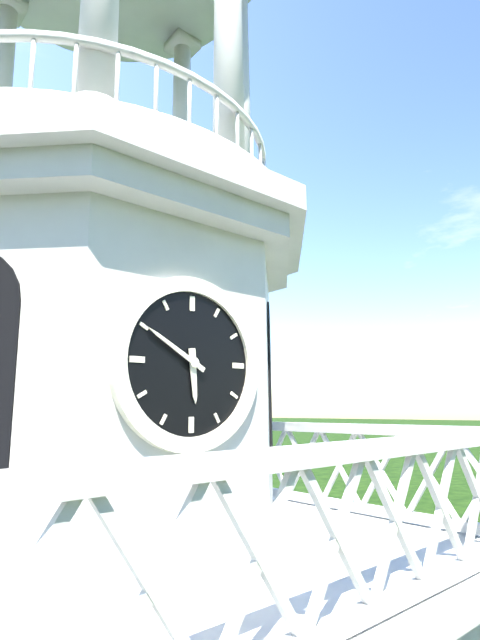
5:50
